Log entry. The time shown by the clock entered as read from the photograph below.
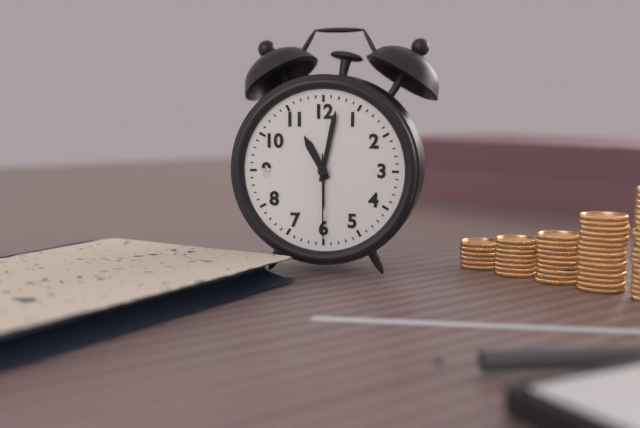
11:02:30
